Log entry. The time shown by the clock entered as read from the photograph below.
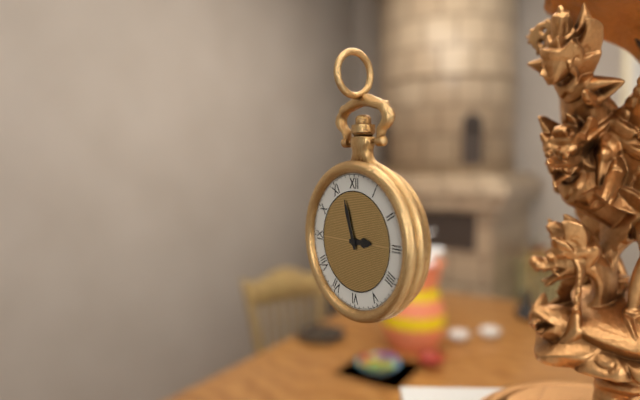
2:57
